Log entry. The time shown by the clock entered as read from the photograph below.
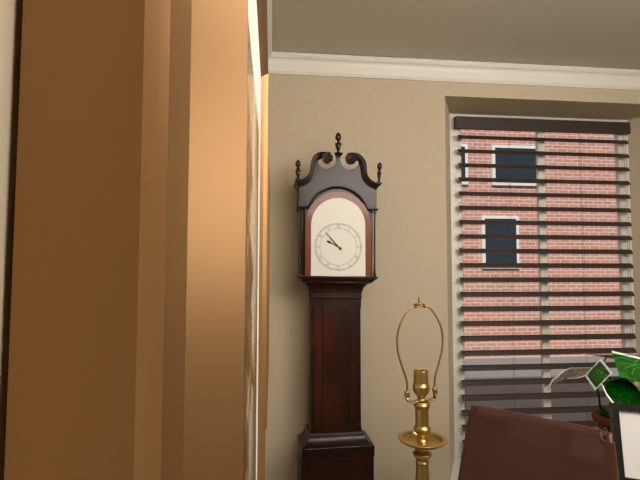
9:53
